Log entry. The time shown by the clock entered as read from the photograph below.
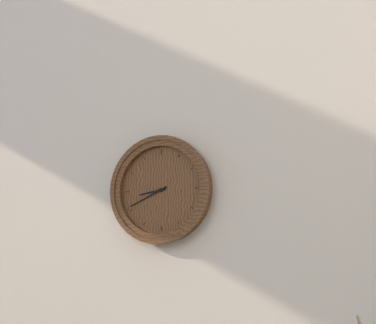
8:41
